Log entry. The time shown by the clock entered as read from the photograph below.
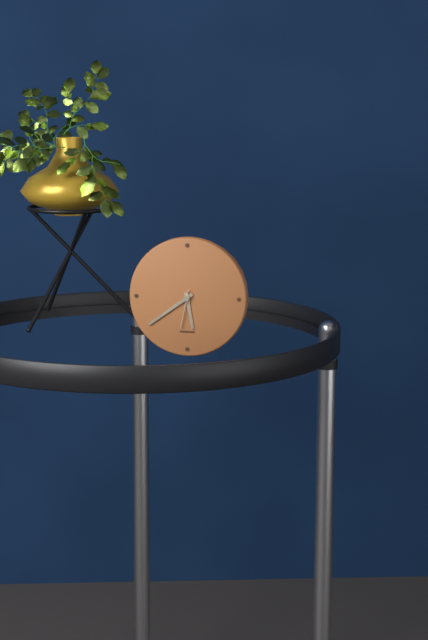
5:39
